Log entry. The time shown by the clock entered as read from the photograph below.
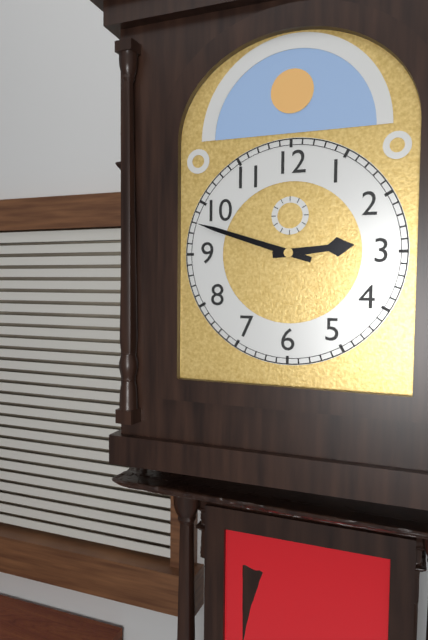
2:48
